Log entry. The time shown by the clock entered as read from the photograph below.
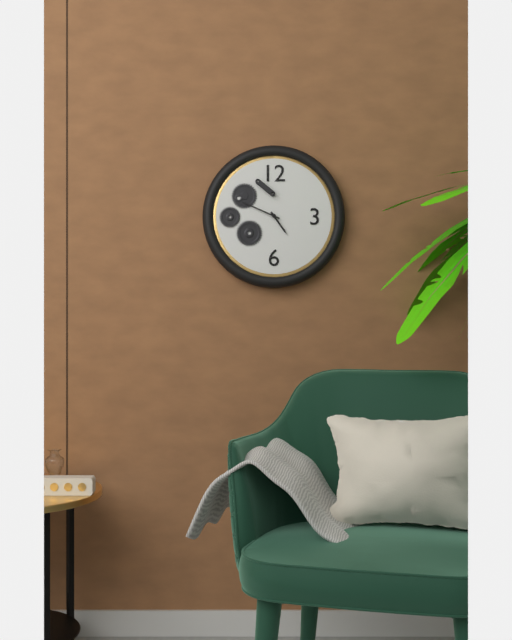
4:49
